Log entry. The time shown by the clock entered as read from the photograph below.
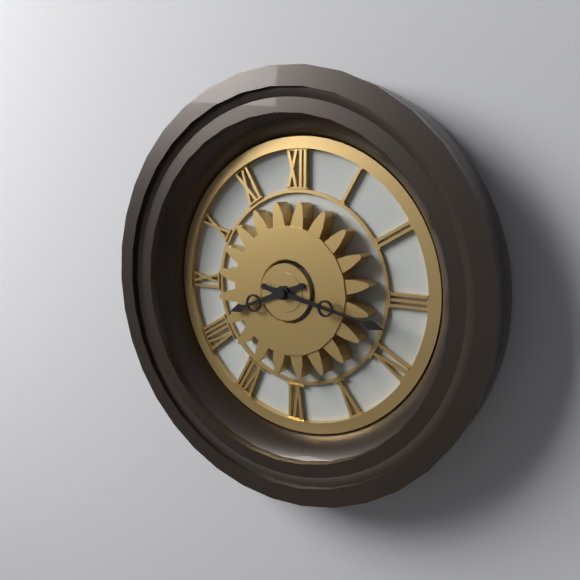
8:17
